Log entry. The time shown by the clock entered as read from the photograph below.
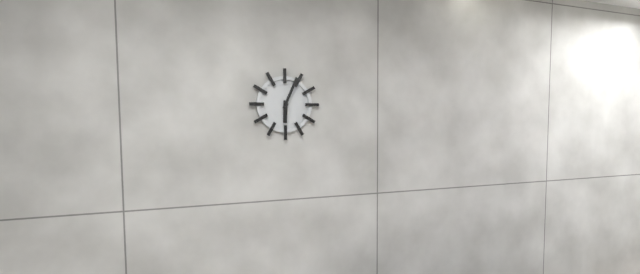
6:04
